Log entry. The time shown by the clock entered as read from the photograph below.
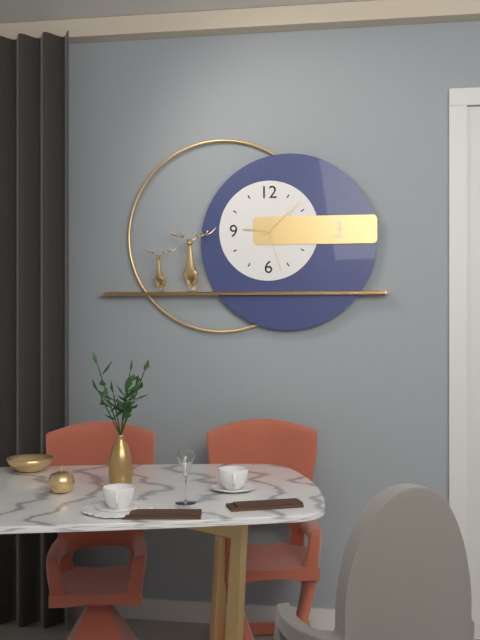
9:08:27
